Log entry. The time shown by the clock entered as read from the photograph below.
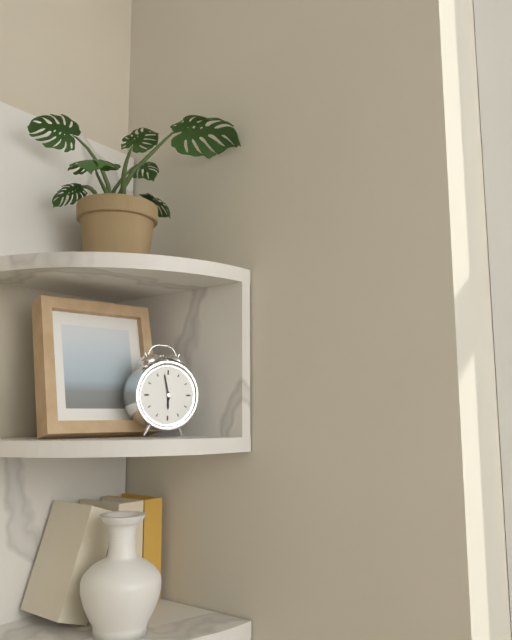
5:58
